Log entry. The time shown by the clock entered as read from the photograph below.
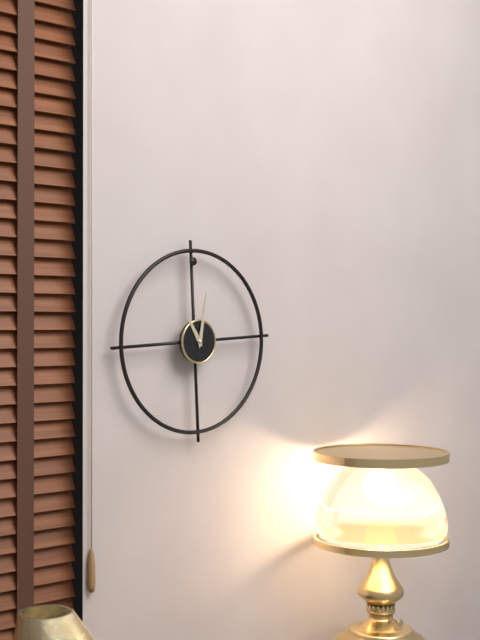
11:02
